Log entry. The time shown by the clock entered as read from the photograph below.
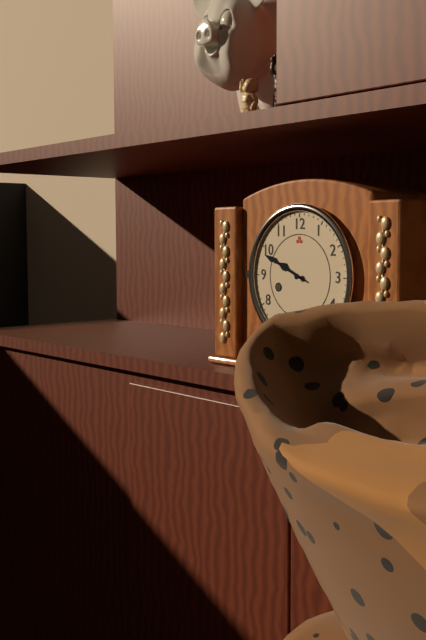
9:49
